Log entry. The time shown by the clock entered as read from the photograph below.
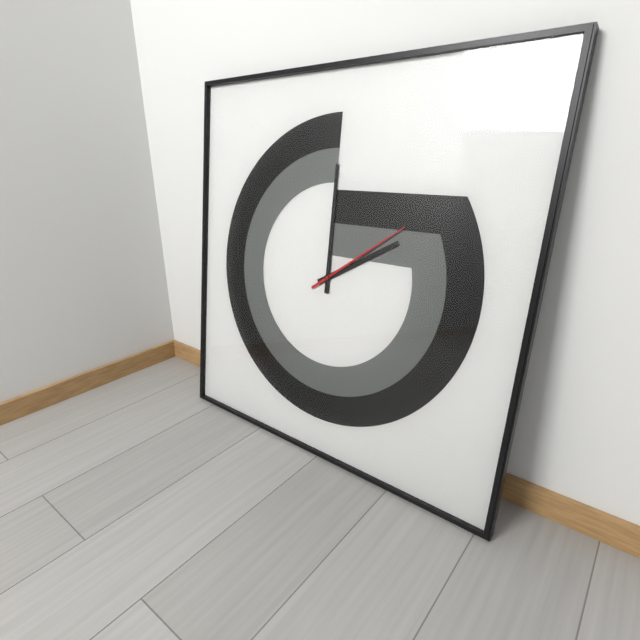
2:00:09
